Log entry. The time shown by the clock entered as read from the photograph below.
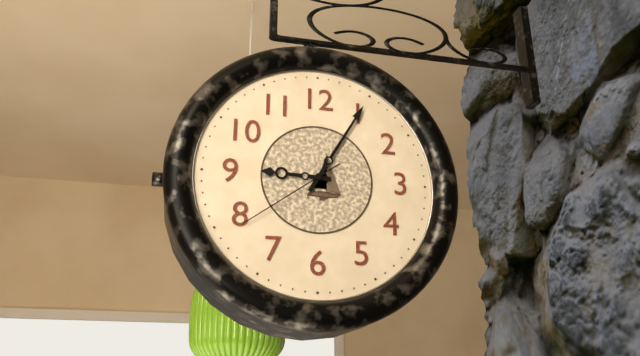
9:05:39
